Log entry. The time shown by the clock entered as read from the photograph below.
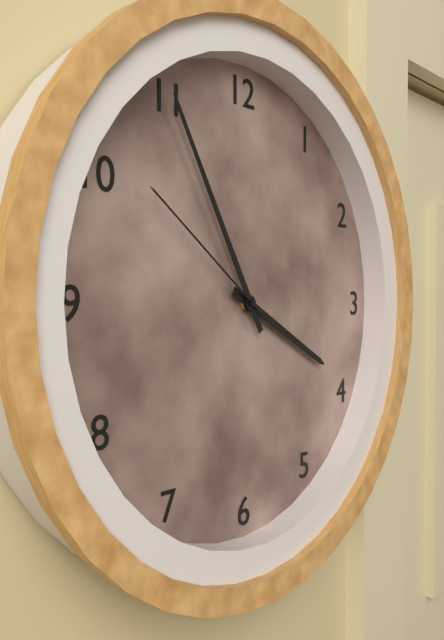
3:55:51
